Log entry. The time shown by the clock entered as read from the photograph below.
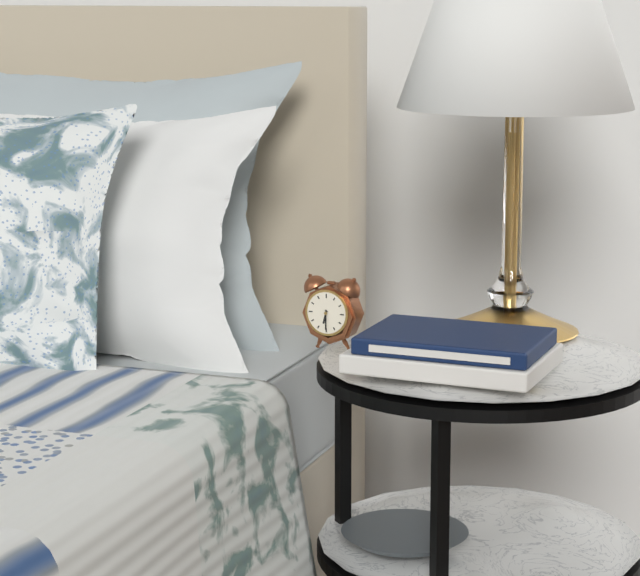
6:30
